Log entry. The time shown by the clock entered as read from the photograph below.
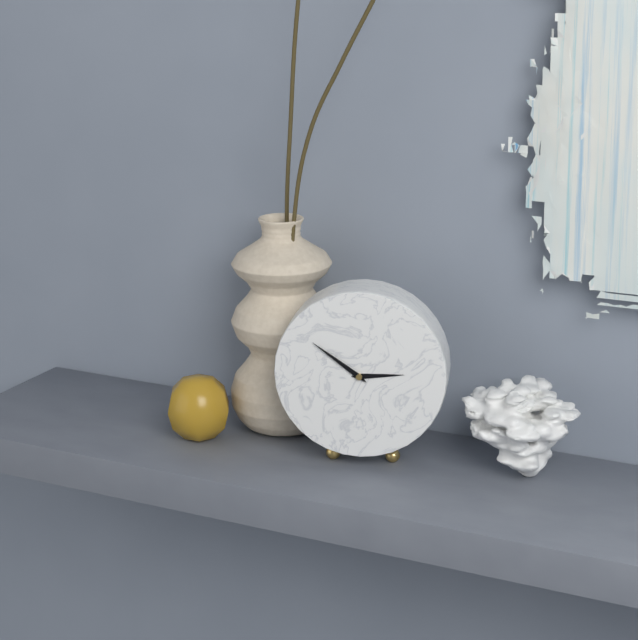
2:51
